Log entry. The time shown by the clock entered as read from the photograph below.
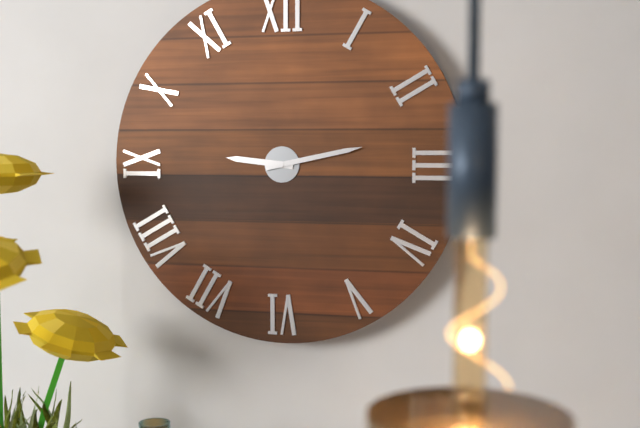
9:13
